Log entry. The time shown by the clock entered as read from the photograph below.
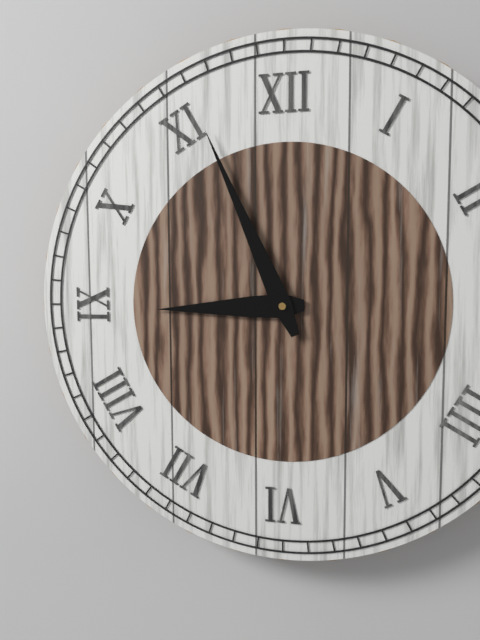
8:56
